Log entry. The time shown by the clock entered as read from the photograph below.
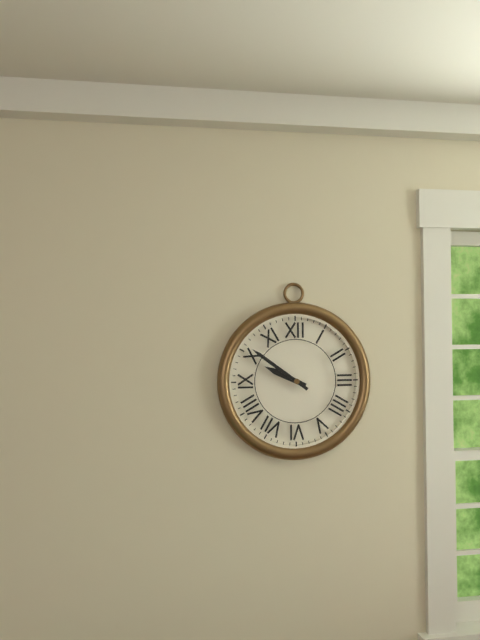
9:51
